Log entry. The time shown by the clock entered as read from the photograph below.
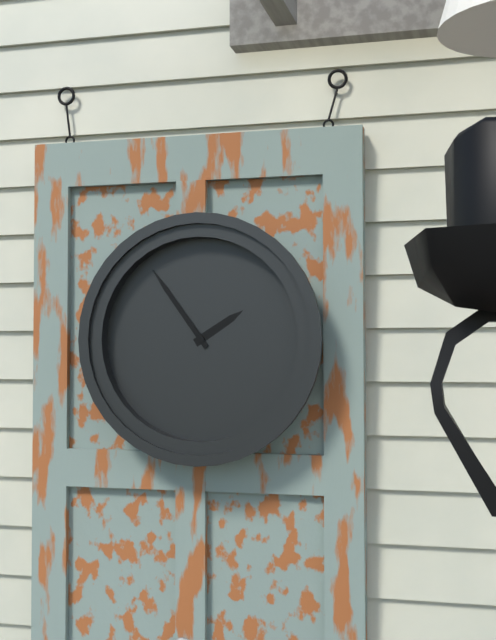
1:54
